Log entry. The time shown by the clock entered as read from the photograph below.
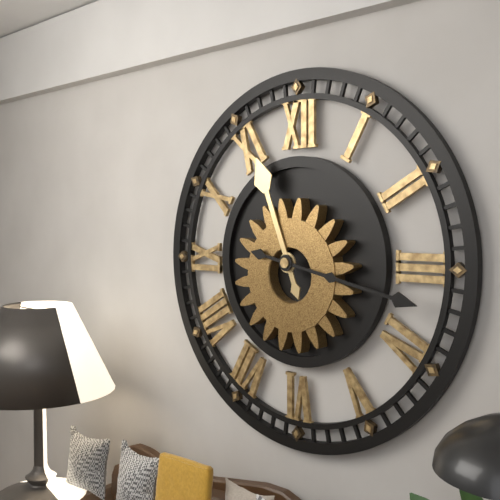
11:17
